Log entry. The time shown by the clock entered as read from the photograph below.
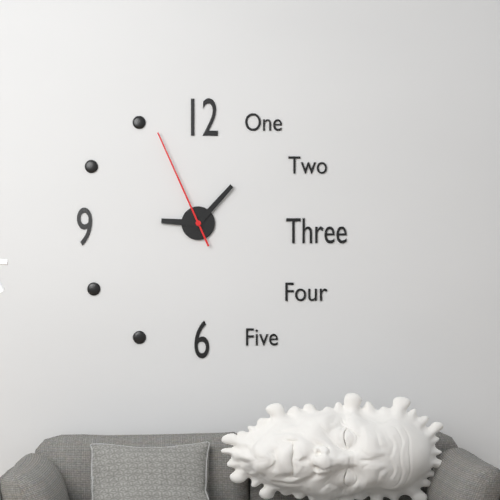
9:07:56
